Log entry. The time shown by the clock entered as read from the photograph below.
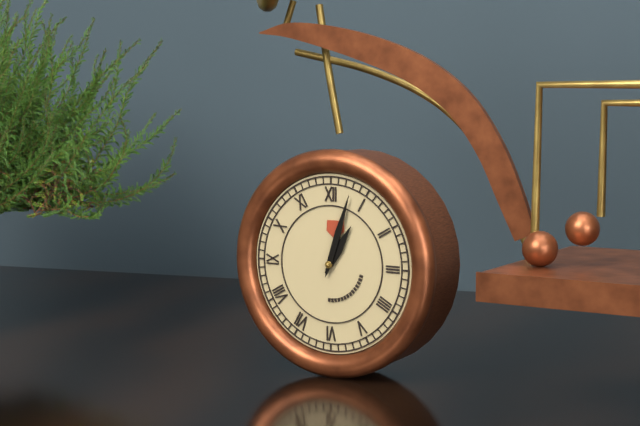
1:03
